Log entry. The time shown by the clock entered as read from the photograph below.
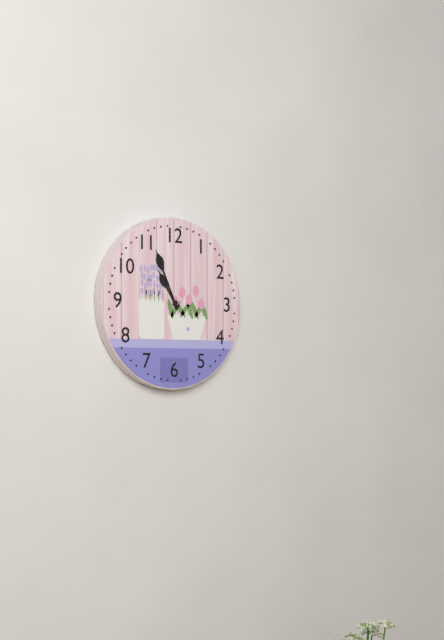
10:56
